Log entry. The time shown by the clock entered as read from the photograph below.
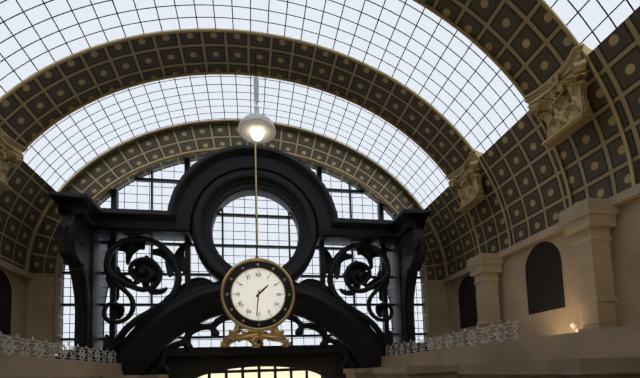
1:31
